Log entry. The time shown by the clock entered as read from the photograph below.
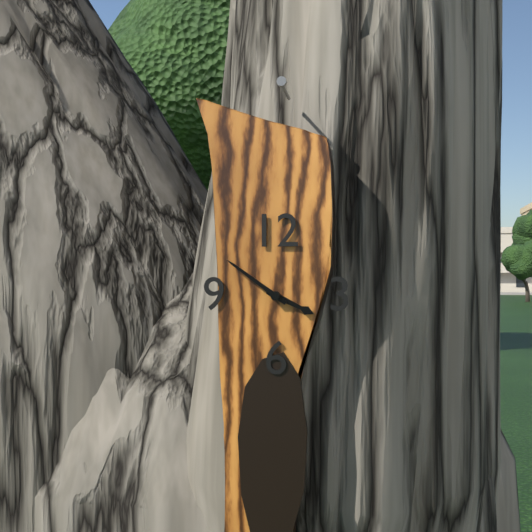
3:51
